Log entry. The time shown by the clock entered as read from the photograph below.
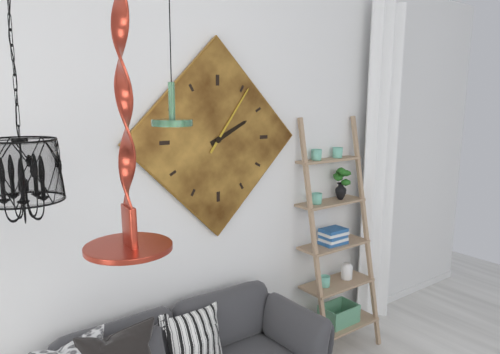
2:06
